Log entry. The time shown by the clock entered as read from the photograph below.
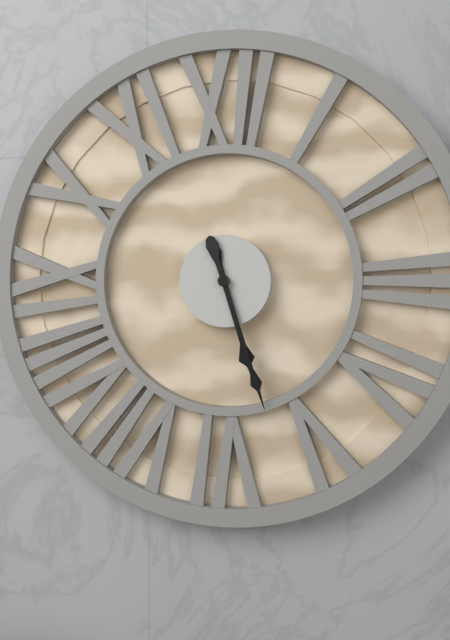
5:27
